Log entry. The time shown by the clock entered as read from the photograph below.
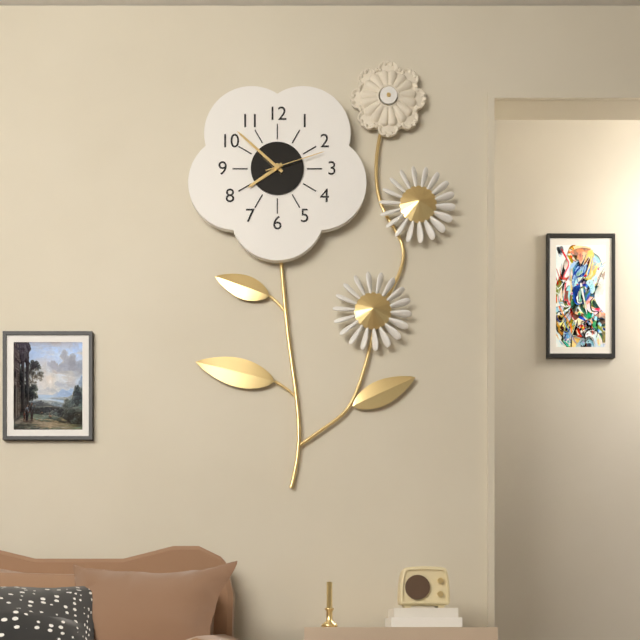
7:52:12
